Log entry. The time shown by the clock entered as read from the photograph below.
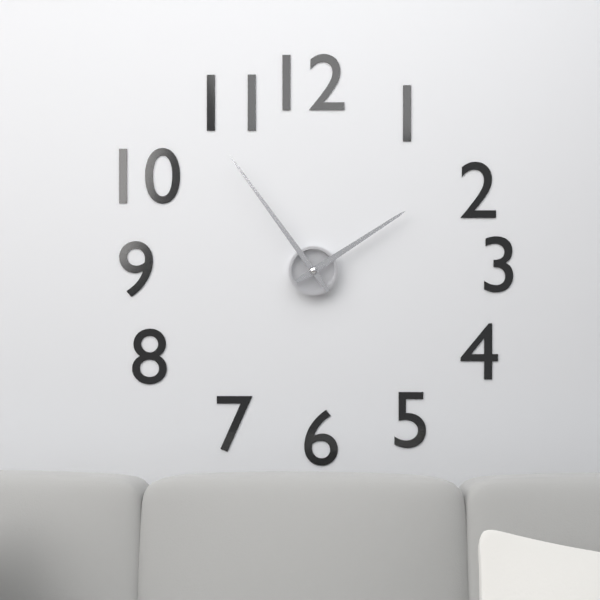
1:54
